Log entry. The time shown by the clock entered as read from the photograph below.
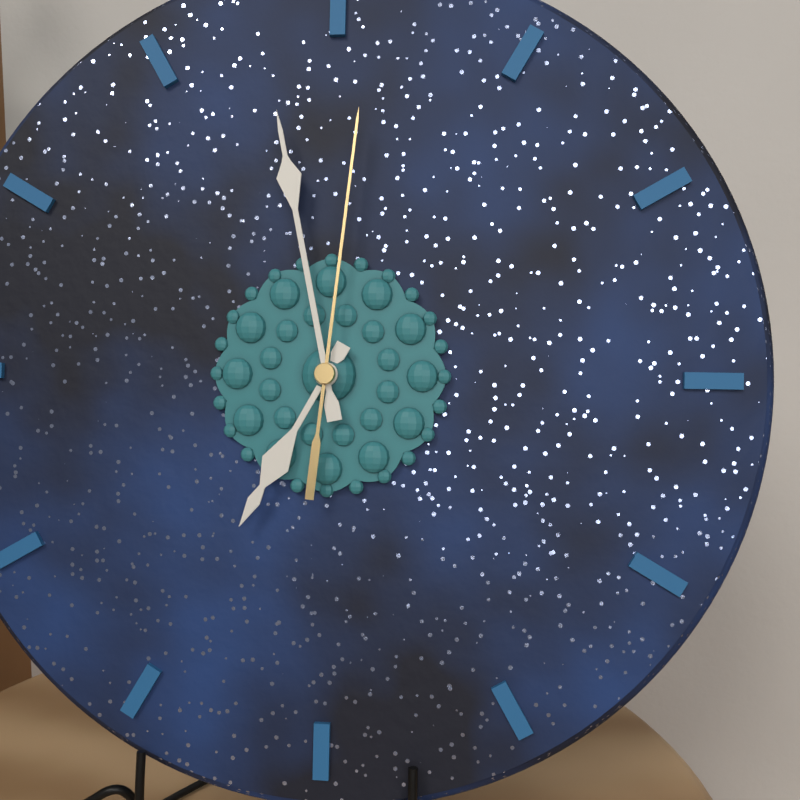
6:58:01
